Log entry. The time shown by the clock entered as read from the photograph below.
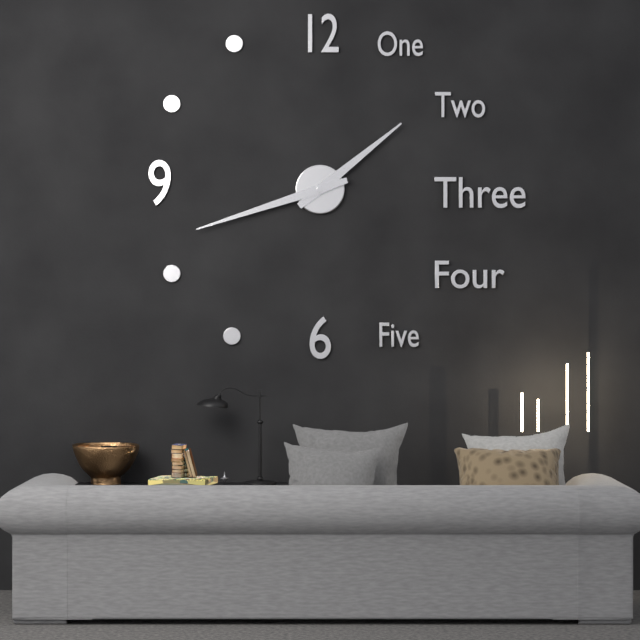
1:42
